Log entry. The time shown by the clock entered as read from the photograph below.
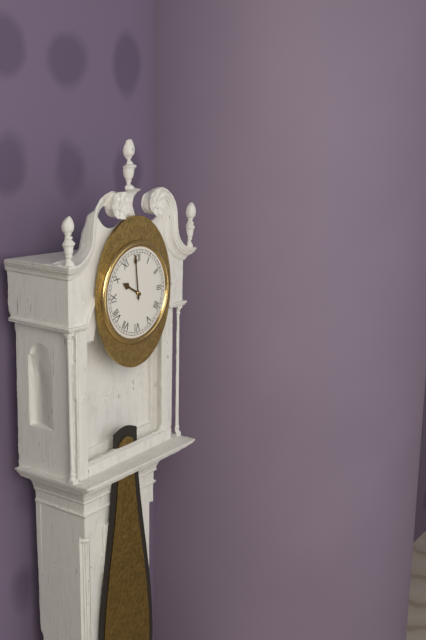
9:59
